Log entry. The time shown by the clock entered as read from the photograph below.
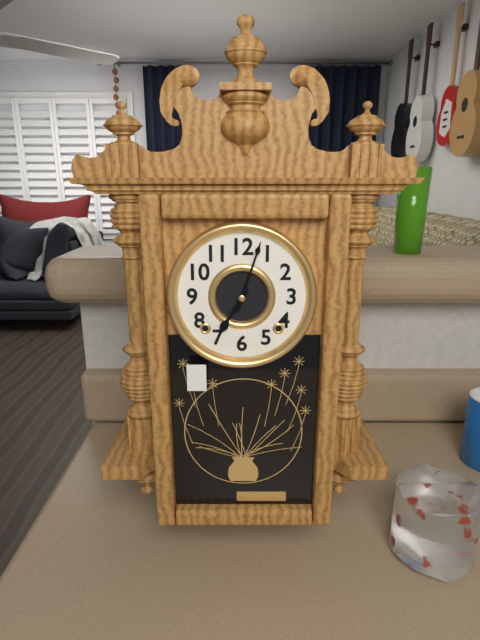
7:03
